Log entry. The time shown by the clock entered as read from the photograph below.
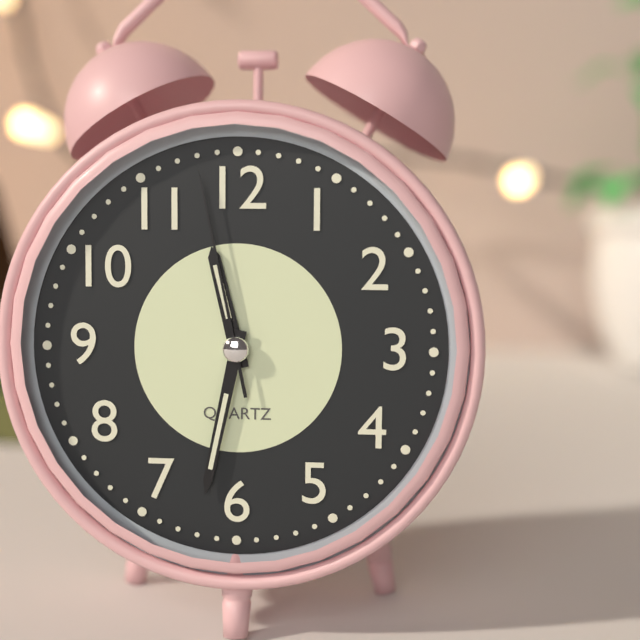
11:32:58
